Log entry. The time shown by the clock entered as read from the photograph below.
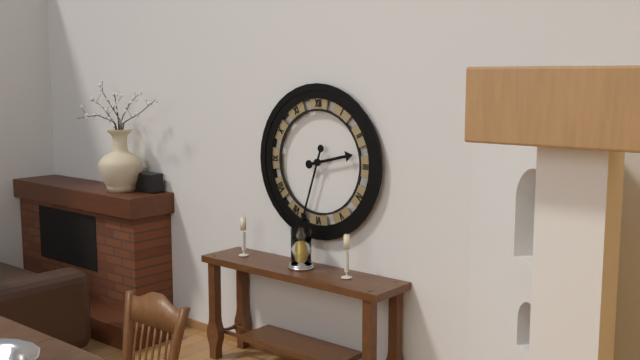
2:33
